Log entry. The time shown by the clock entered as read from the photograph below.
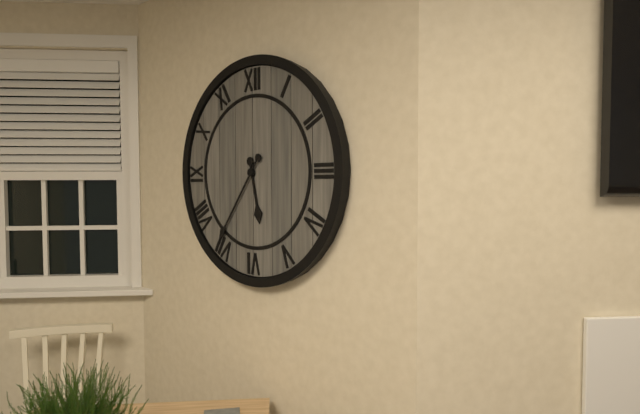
5:36
